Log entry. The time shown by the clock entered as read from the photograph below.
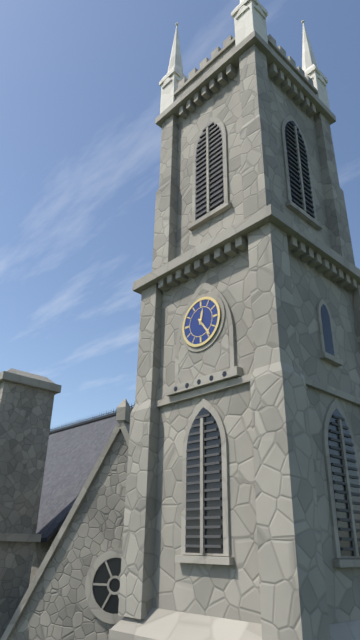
12:24
